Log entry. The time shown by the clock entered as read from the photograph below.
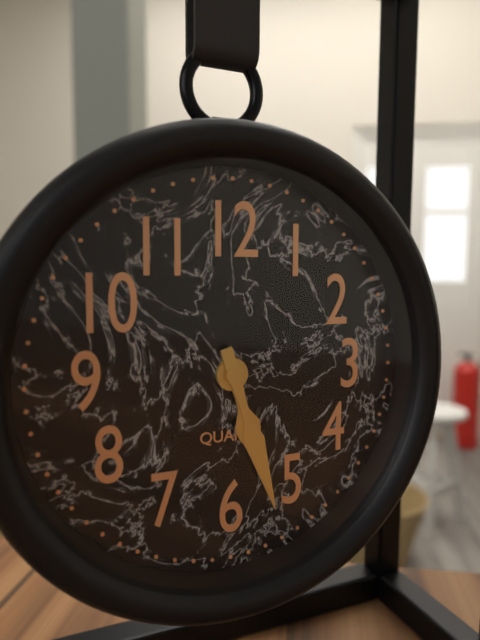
5:27
